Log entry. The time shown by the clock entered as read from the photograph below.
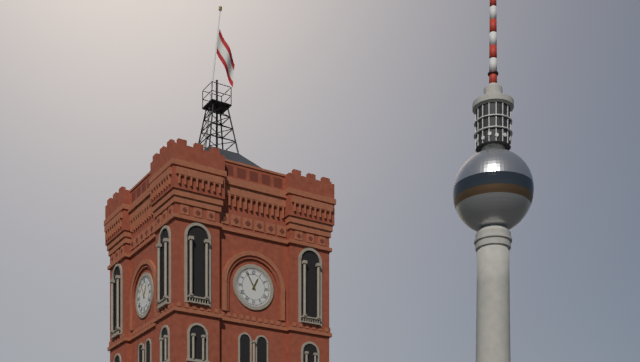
12:55
